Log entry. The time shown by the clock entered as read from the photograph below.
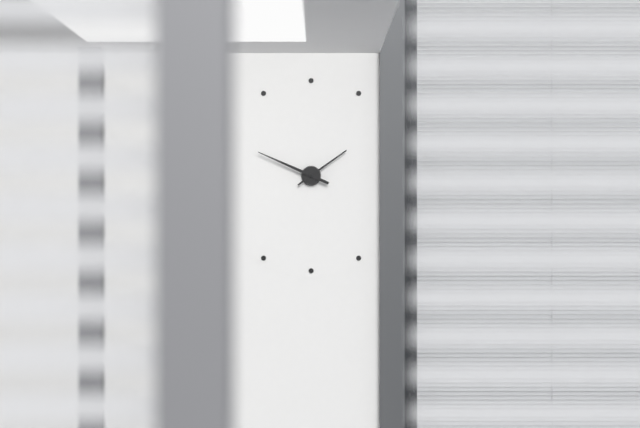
1:49
